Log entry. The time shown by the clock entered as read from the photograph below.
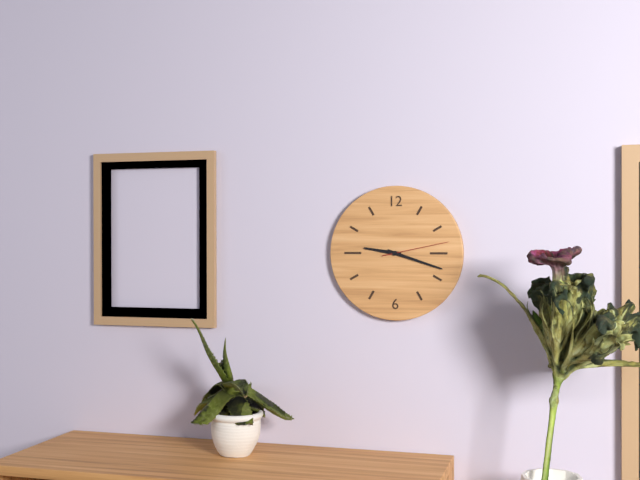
9:18:13
